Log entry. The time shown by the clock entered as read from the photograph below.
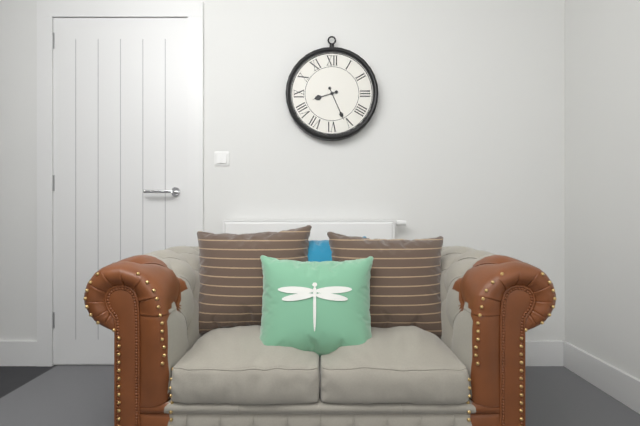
8:26
